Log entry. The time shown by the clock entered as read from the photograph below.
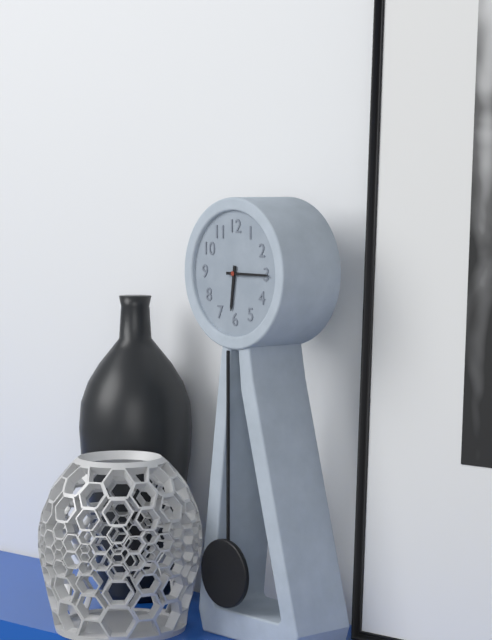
6:15
